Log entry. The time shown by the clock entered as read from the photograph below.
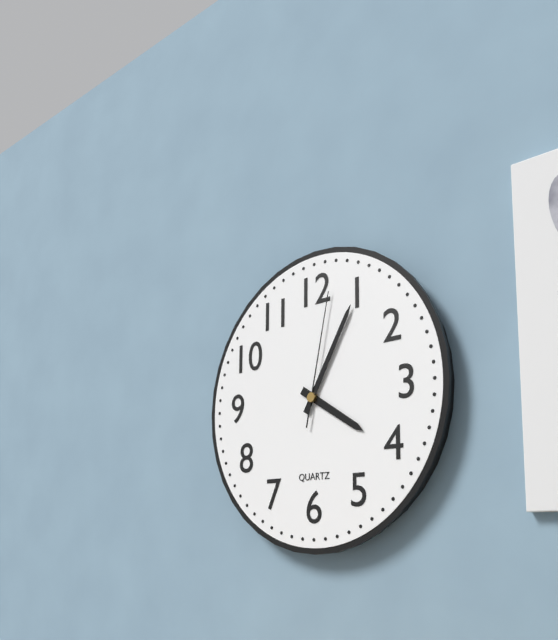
4:05:02
